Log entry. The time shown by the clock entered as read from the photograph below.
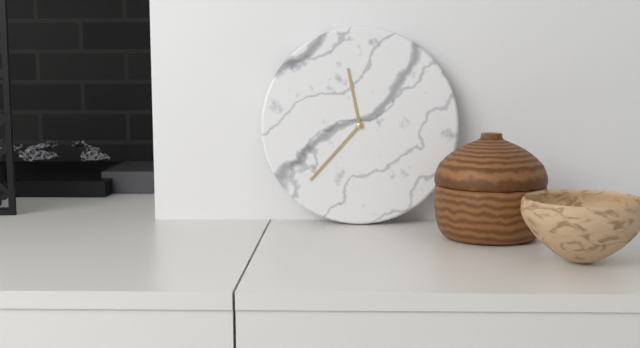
11:37
